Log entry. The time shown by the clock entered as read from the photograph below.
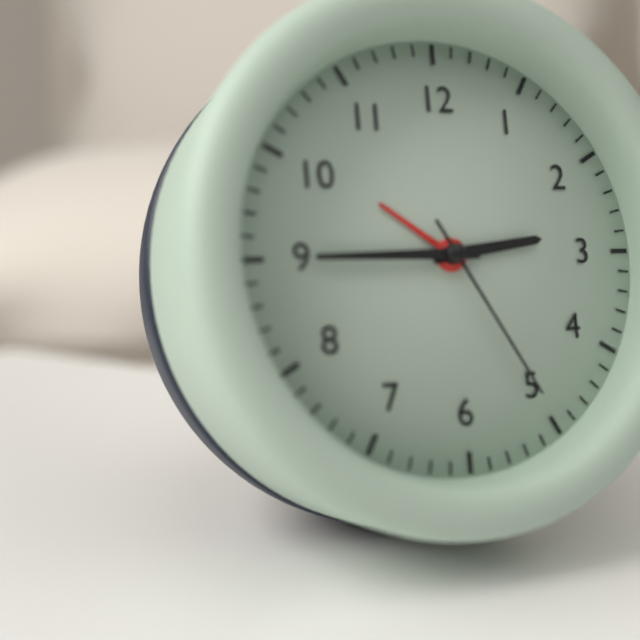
2:45:25
